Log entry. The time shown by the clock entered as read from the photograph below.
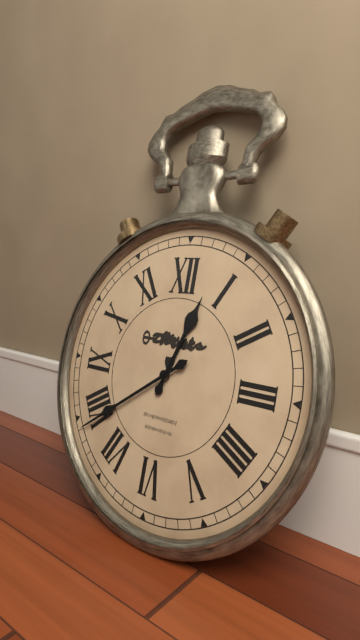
12:39
